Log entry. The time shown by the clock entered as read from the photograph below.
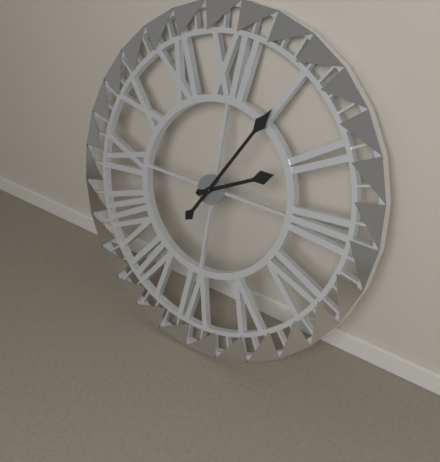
2:05
